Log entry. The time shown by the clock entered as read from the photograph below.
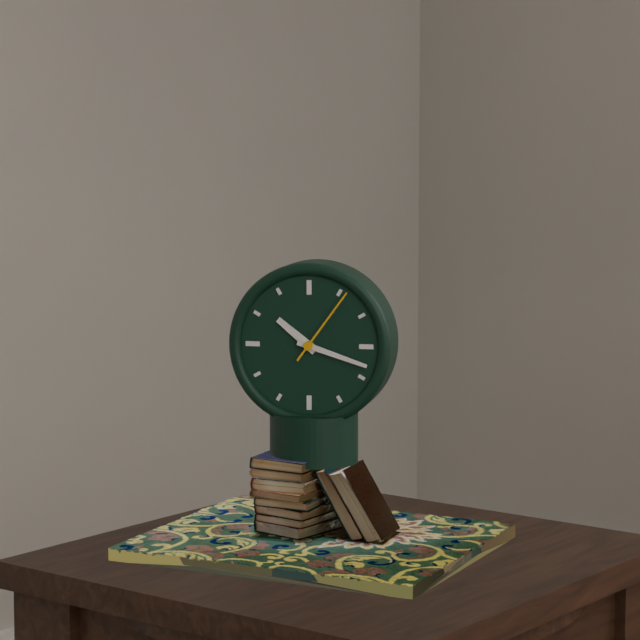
10:18:06
